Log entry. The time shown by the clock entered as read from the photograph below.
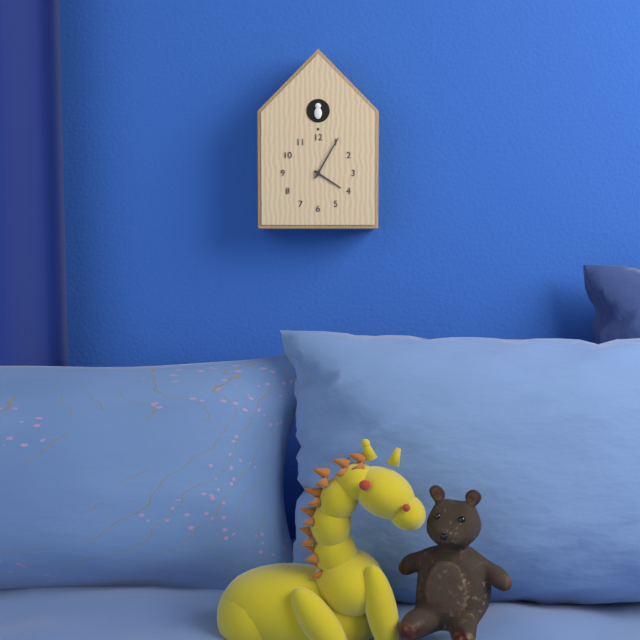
4:05
